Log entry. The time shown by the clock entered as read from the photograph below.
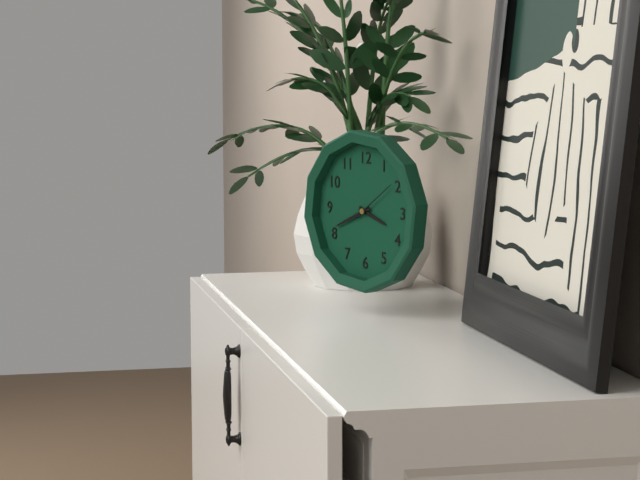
3:41
